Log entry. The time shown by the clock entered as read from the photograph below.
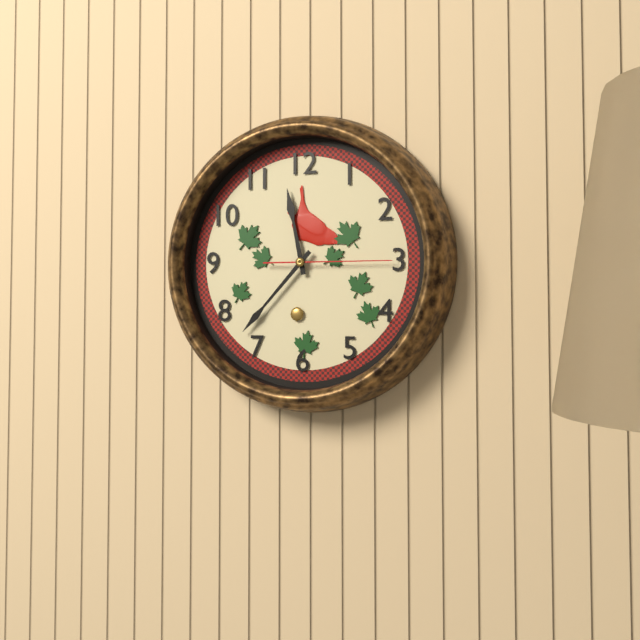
11:37:15
